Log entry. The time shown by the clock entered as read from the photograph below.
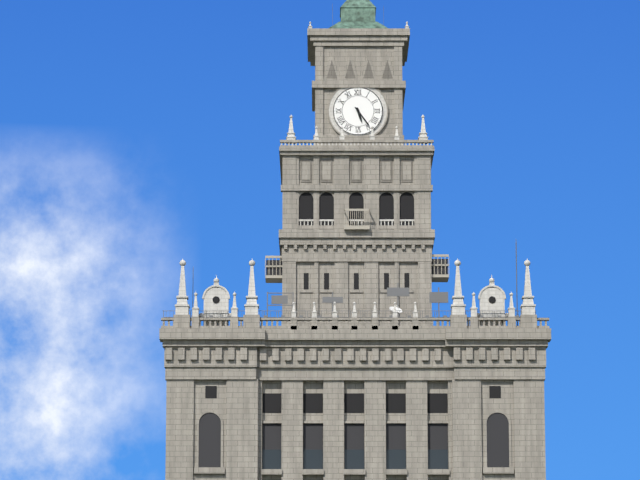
5:24
